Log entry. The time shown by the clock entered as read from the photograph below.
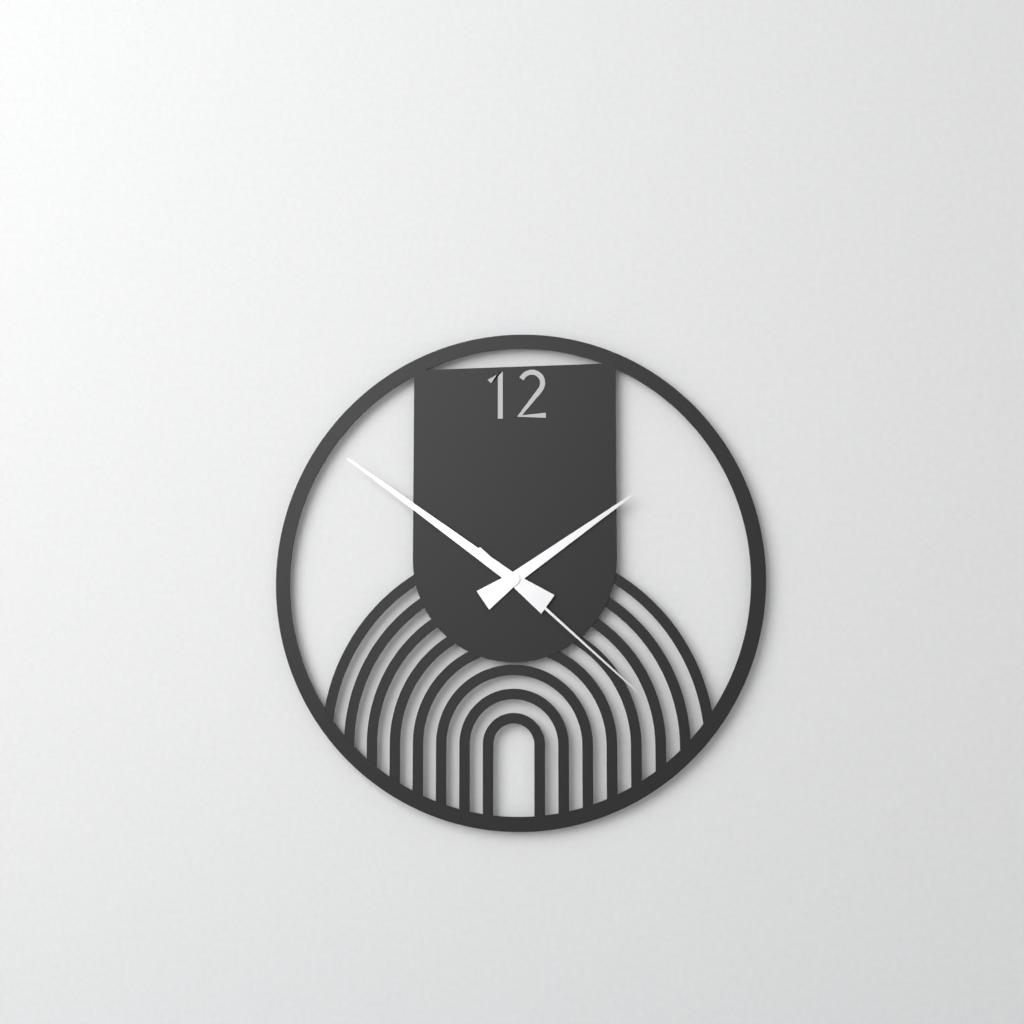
1:51:22
